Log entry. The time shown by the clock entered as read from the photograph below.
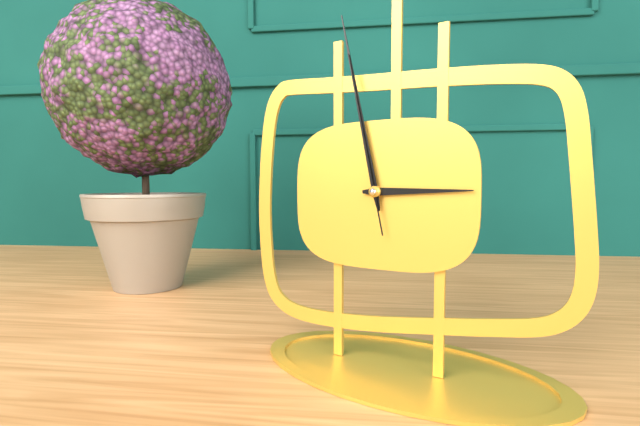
2:58:58
